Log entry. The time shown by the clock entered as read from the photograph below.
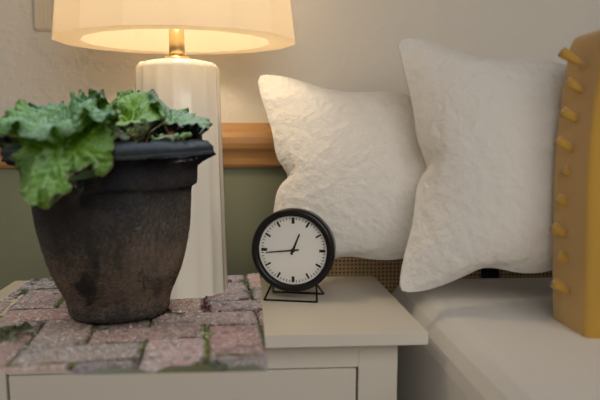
12:44
